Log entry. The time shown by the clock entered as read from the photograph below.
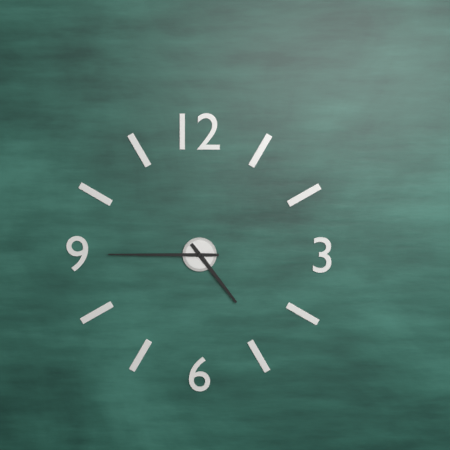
4:45
